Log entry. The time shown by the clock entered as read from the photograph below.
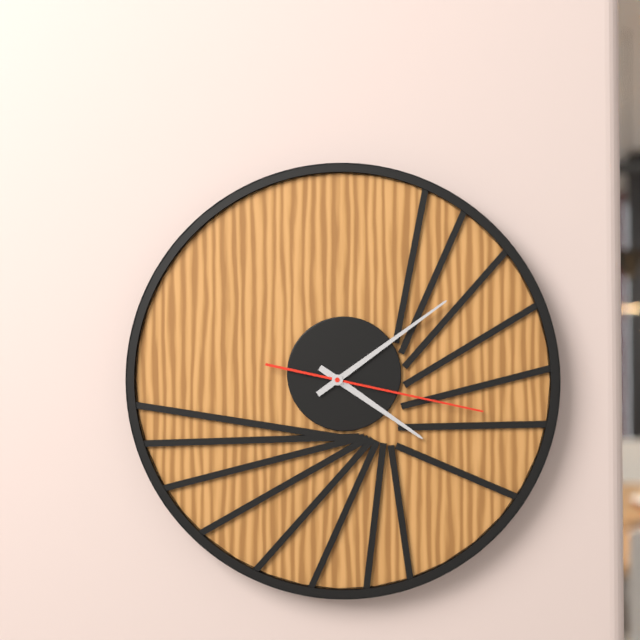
4:09:17
